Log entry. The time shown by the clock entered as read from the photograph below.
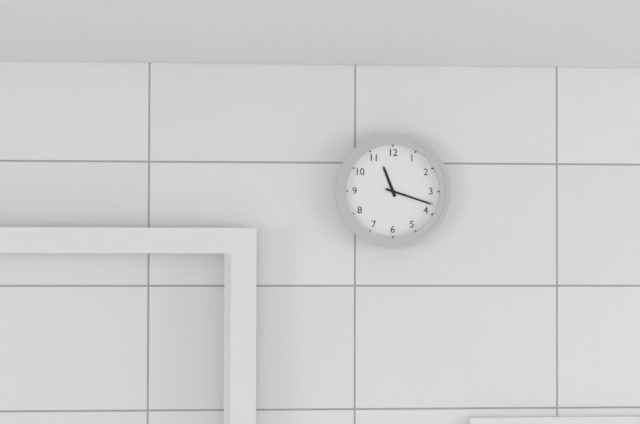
11:18
